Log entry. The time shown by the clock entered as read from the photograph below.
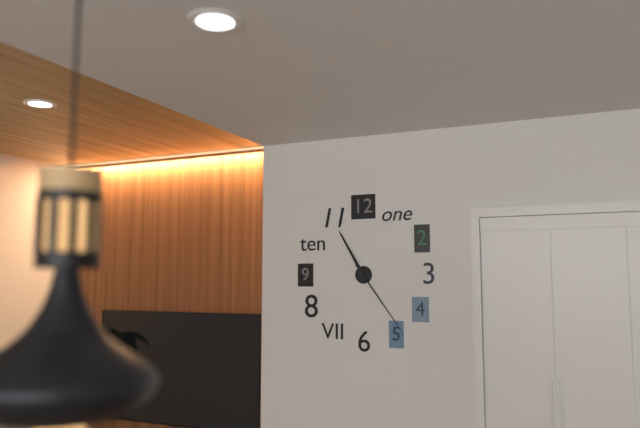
10:55:24
